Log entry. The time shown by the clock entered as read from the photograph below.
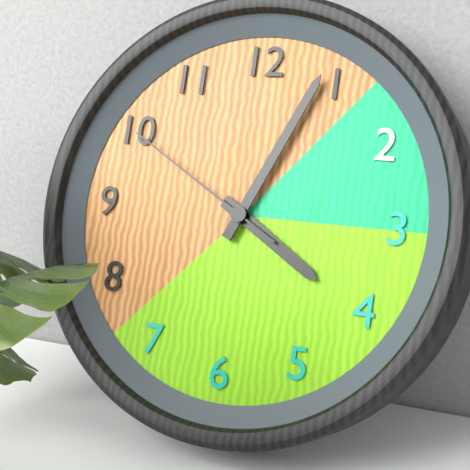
4:04:50
